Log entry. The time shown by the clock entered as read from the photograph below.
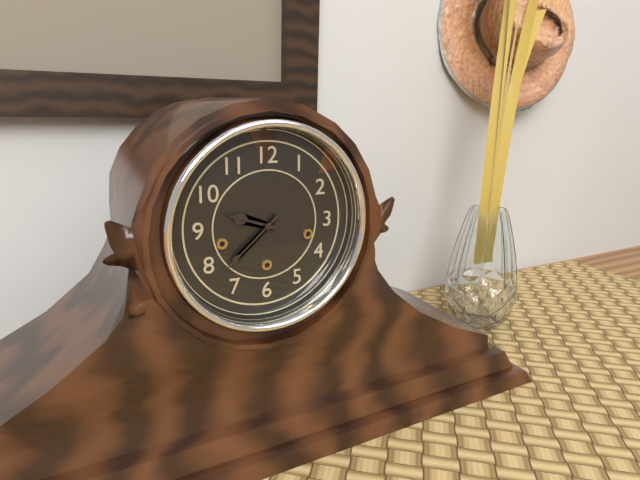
9:38
